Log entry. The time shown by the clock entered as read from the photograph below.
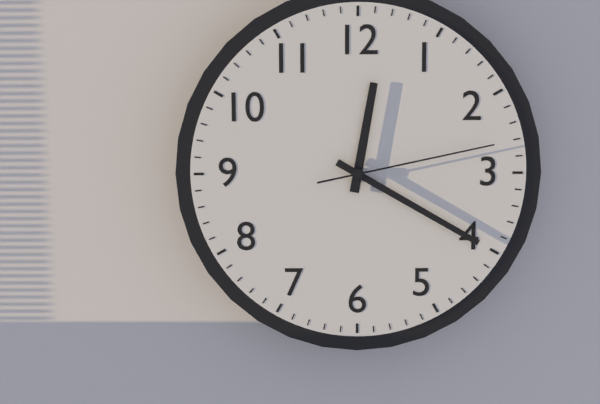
12:20:13
